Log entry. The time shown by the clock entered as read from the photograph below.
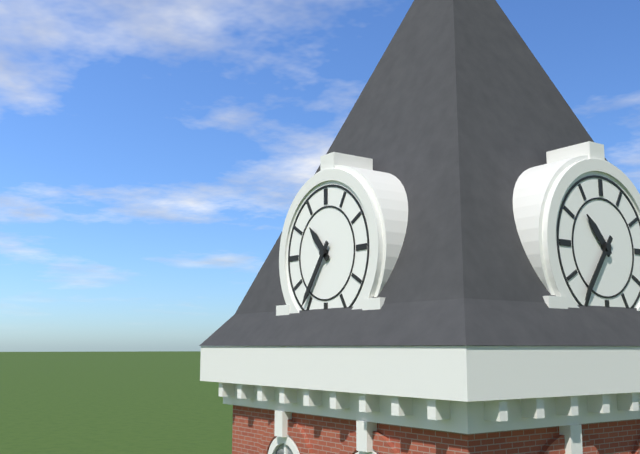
10:36
